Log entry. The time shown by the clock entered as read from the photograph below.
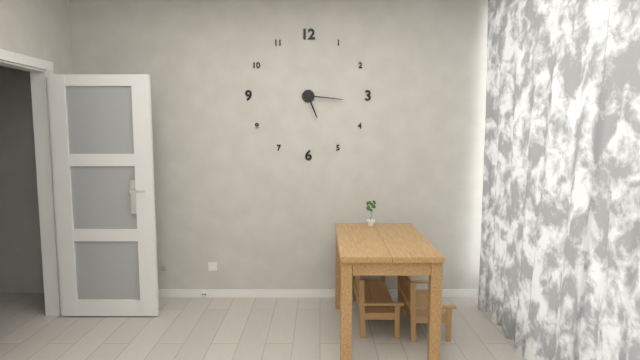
5:16
